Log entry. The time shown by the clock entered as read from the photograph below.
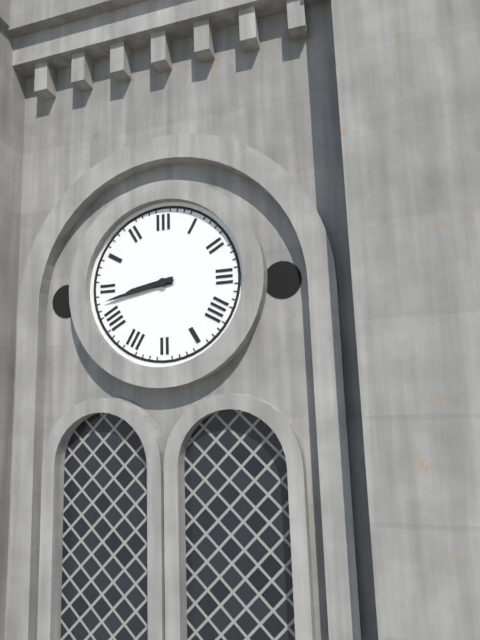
8:43
